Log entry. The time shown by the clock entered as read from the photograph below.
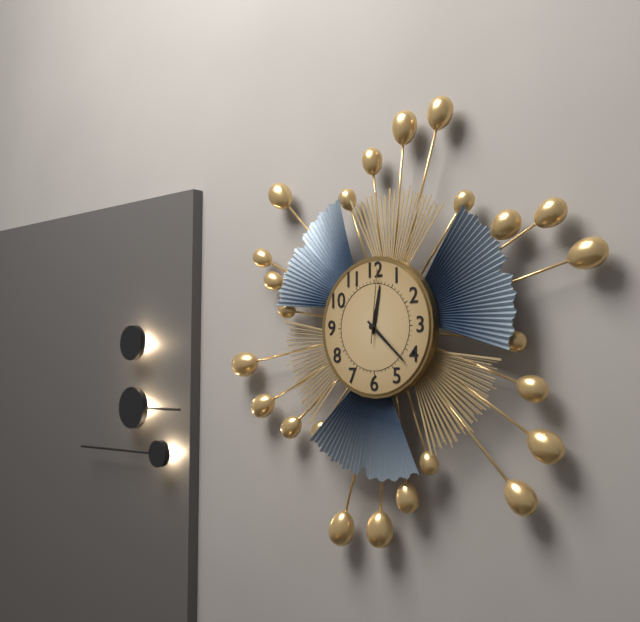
12:22:01
